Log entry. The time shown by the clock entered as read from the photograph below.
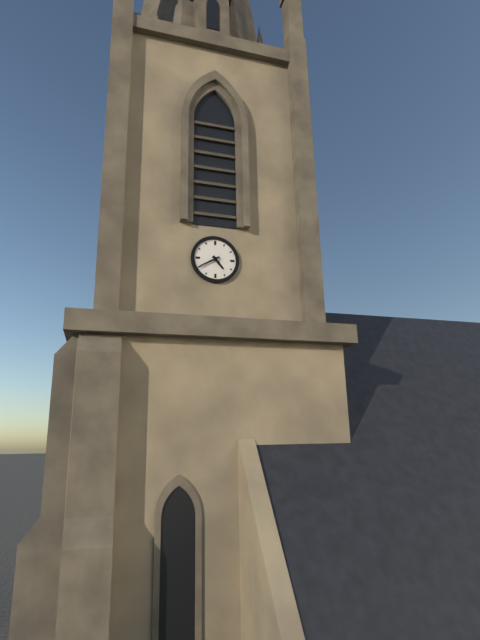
4:40
